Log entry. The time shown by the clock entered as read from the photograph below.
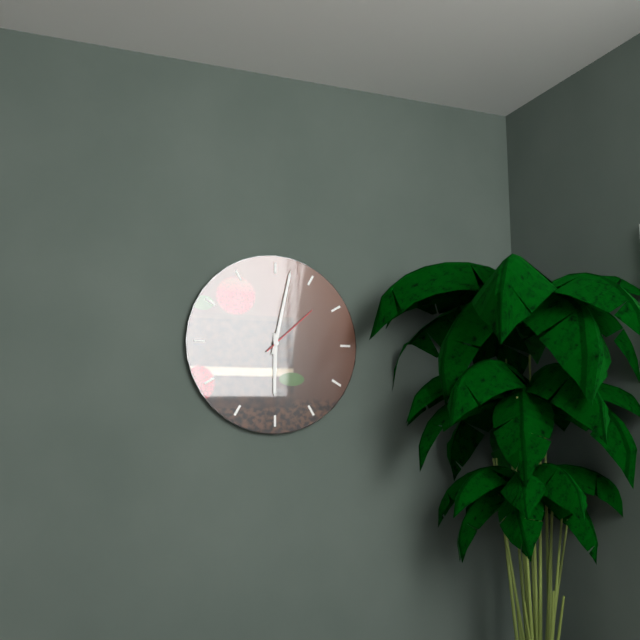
6:02:08
